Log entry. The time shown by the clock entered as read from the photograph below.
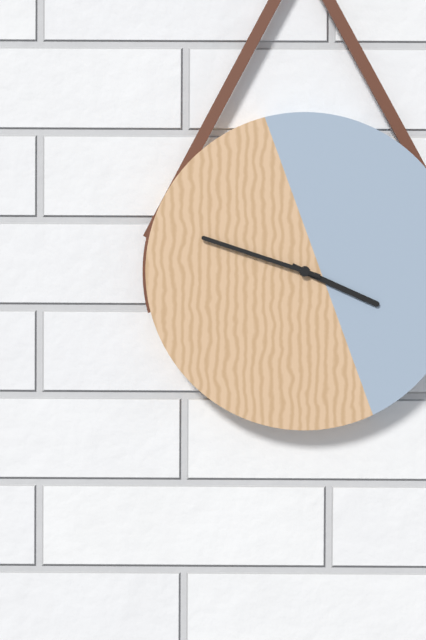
3:48
